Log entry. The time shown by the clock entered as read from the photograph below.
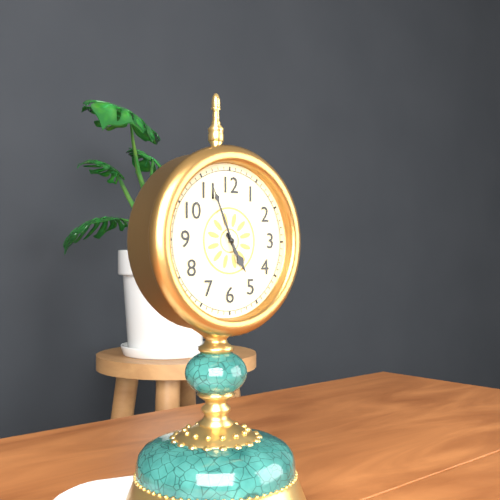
4:56
